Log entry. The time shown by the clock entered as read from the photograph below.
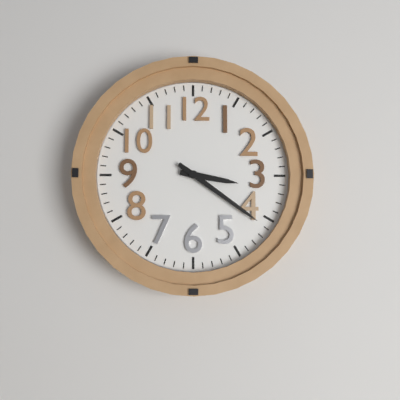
3:21
